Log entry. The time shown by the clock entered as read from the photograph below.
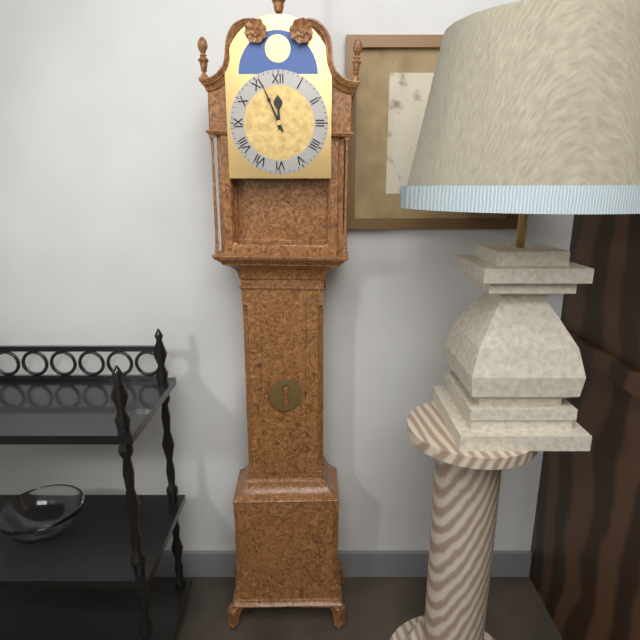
11:56
